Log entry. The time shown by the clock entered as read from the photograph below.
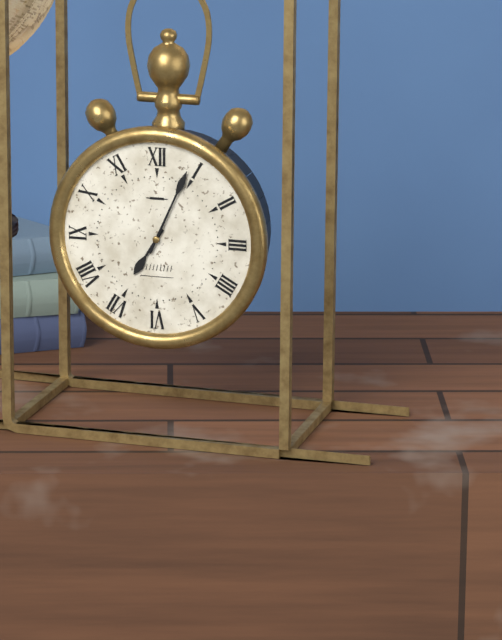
7:04
